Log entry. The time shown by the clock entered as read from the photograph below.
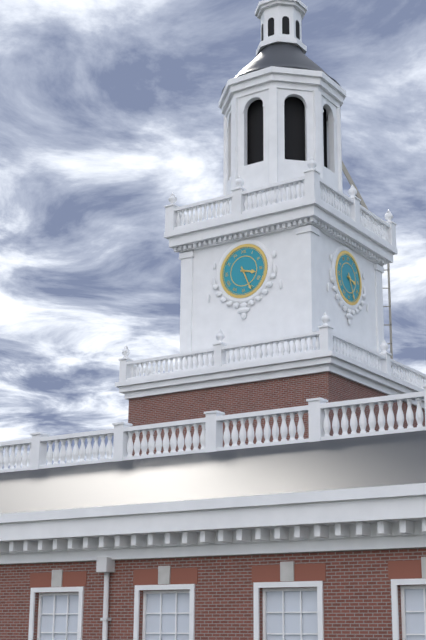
3:26
